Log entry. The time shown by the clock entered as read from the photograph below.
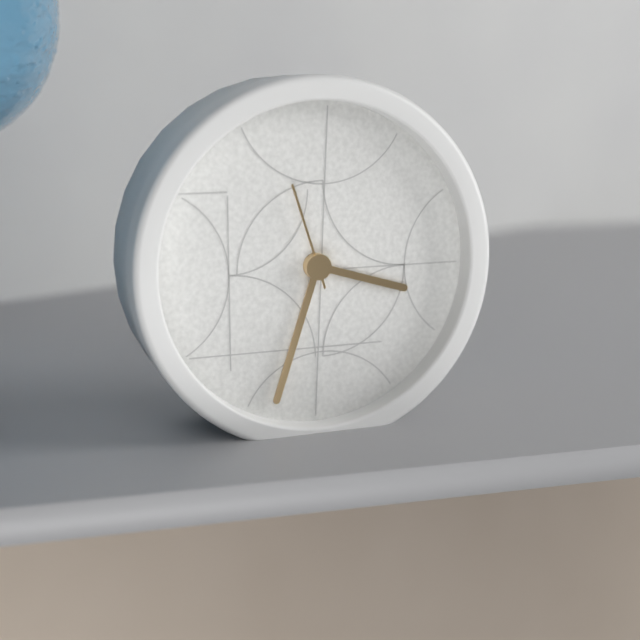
3:33:57
